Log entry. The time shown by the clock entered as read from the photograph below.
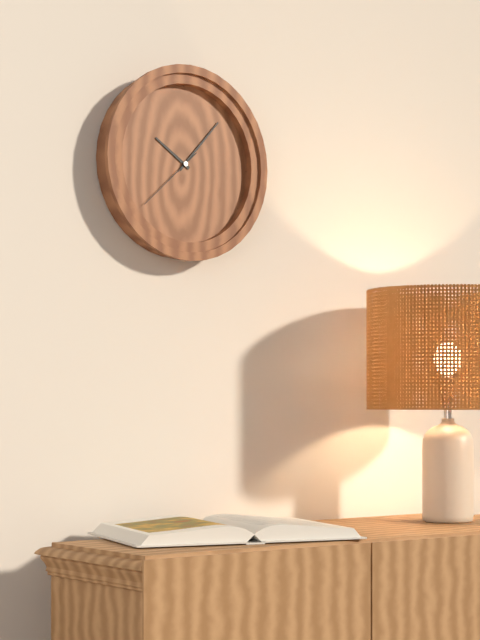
10:07:38
